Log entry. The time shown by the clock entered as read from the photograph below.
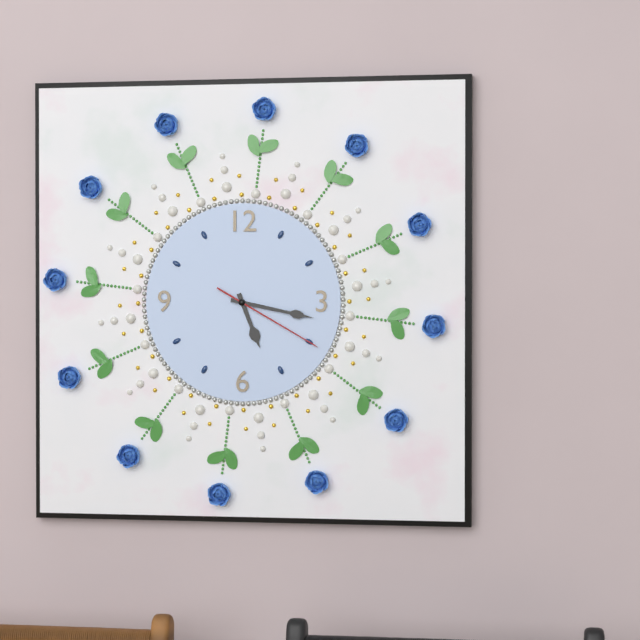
5:17:20
